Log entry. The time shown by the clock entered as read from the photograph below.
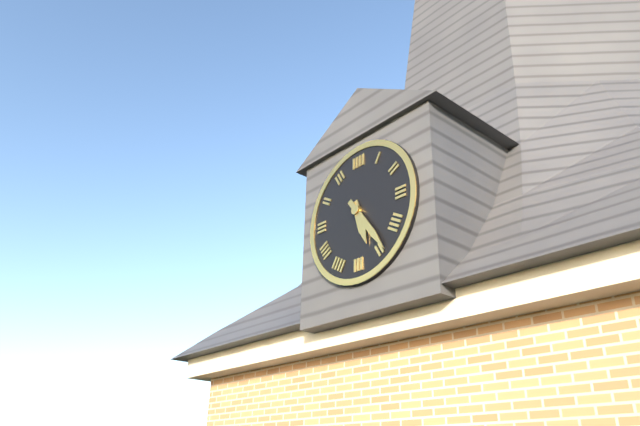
5:24
